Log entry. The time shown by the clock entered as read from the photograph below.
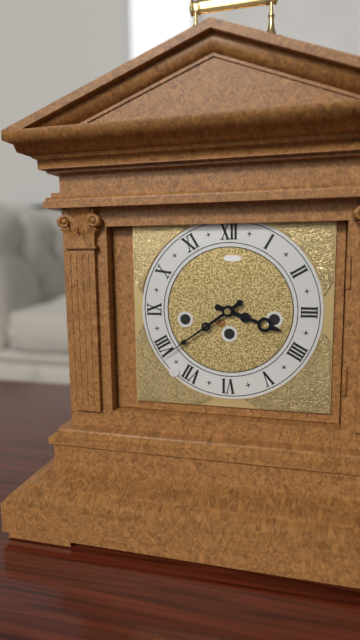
3:39
